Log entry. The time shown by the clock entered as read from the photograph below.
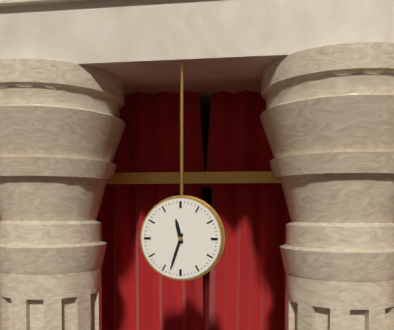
11:33
